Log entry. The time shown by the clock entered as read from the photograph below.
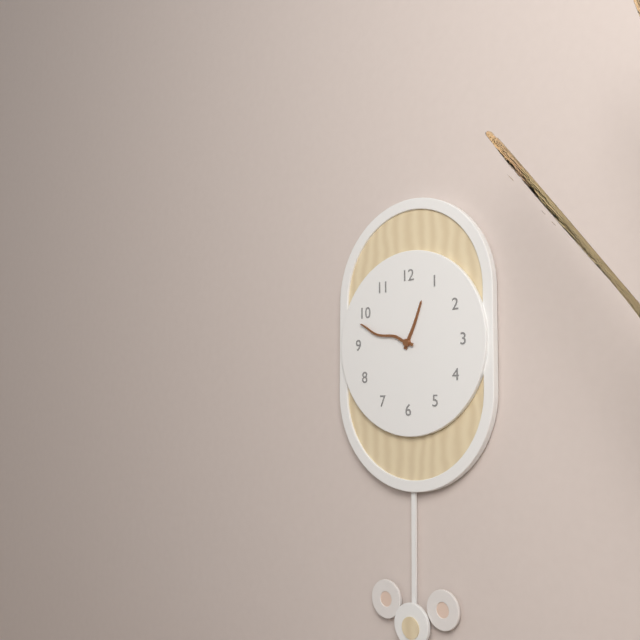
12:48
